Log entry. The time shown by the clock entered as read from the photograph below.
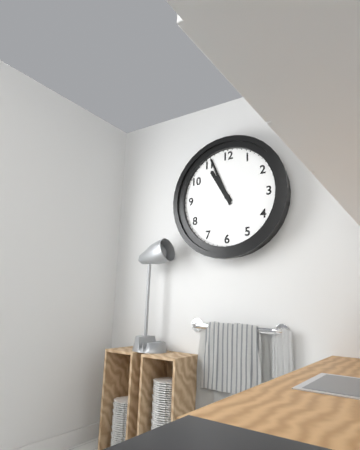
10:56
